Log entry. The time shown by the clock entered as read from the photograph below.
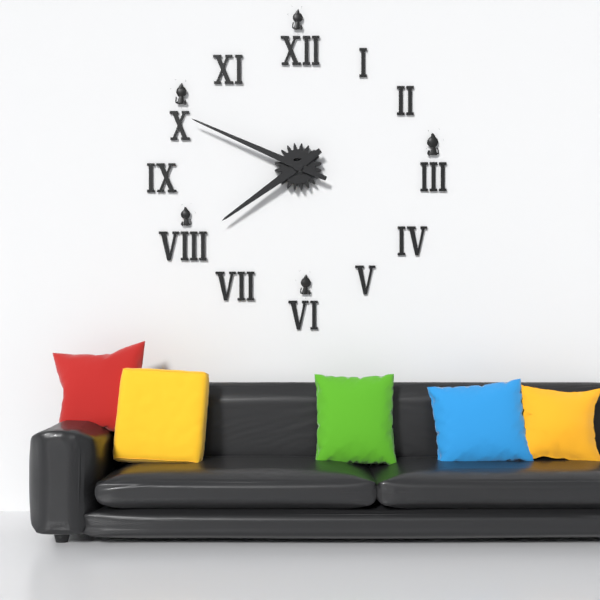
7:49
